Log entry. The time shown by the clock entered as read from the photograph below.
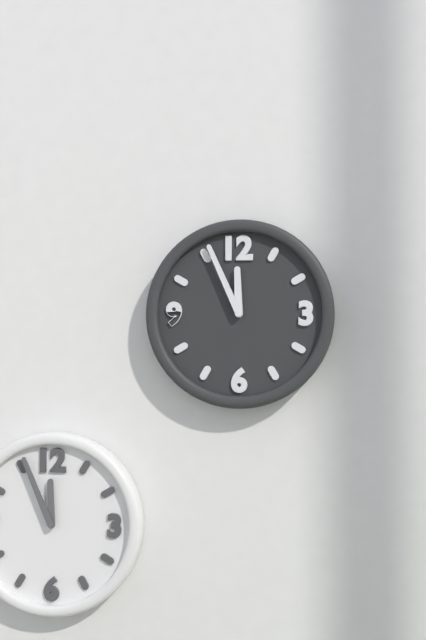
11:56
